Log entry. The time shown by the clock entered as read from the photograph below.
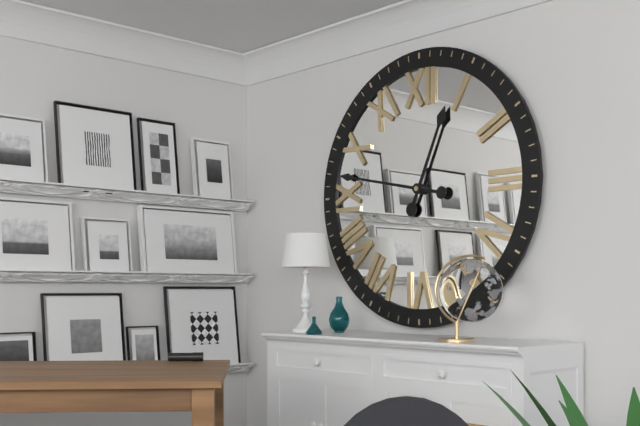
12:47
